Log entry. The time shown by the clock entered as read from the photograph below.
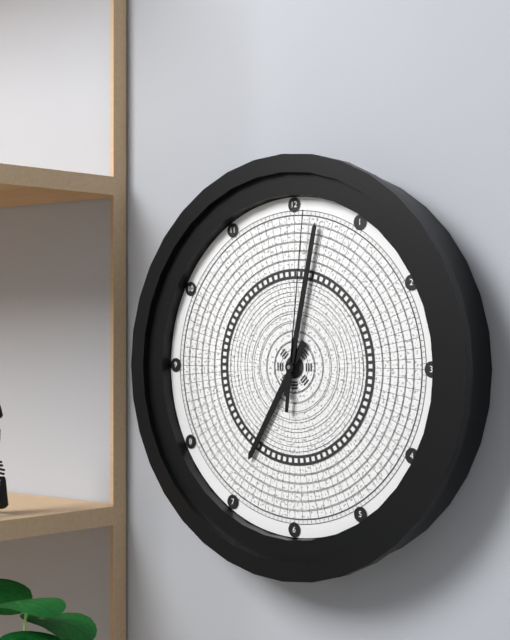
7:02:01
